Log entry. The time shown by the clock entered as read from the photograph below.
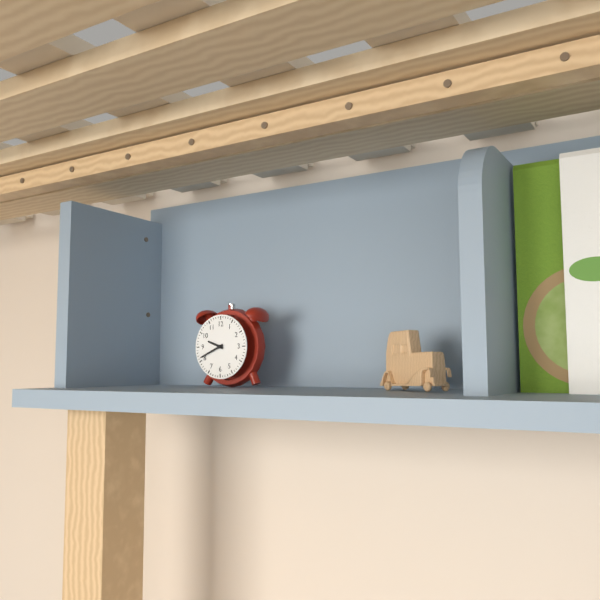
9:41
